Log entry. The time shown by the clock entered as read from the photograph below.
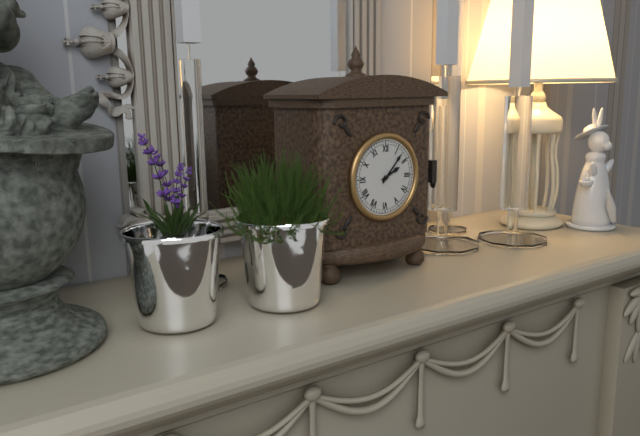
2:07
